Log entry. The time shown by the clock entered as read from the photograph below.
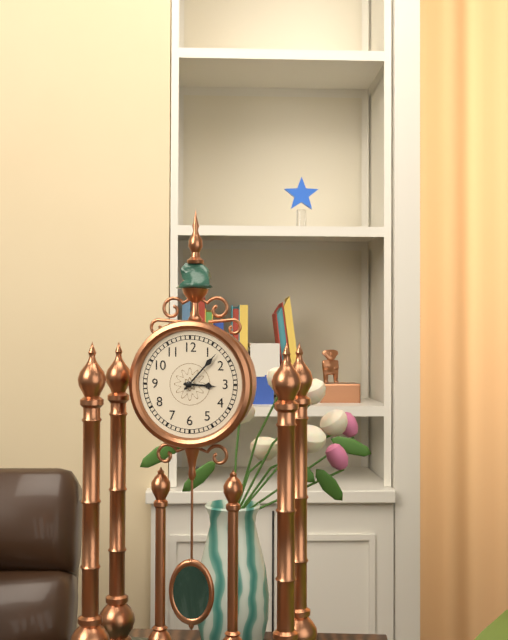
3:07
